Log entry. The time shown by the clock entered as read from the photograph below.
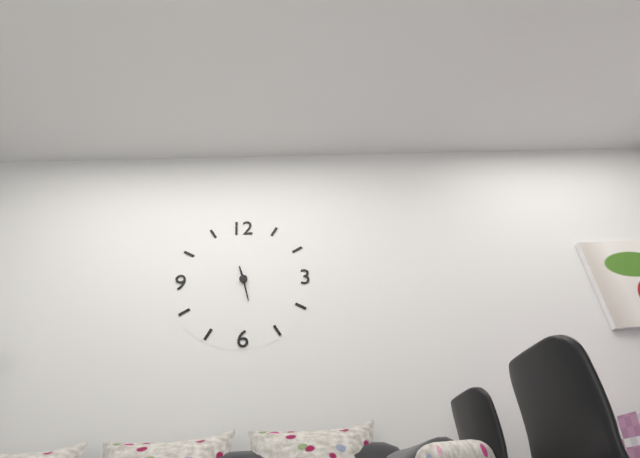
11:28
